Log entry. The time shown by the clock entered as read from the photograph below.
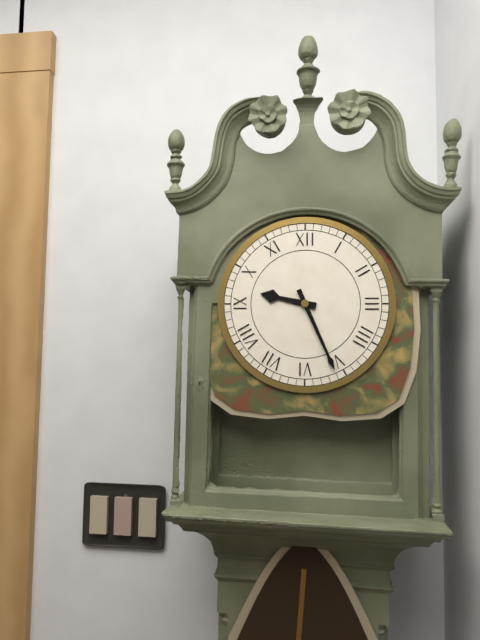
9:26
